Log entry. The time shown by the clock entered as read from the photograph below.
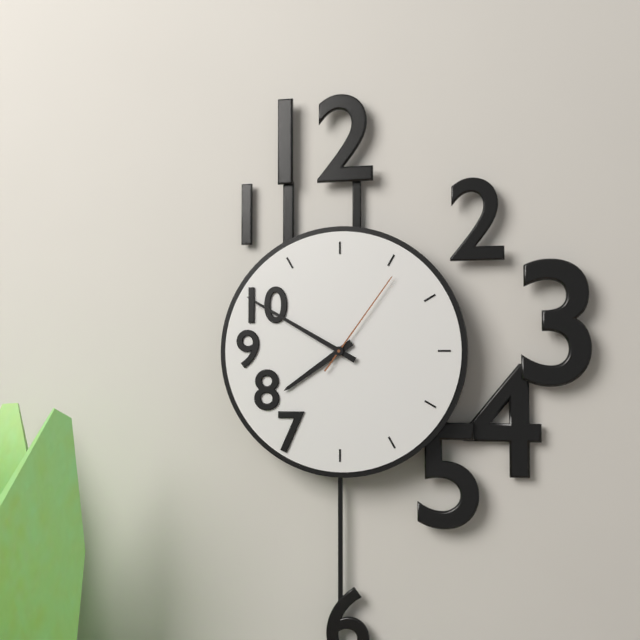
7:50:06
